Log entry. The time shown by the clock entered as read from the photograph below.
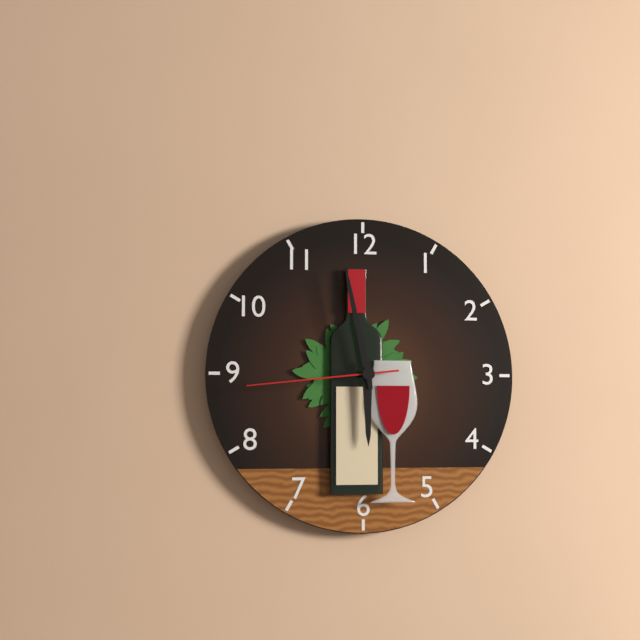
5:58:44
